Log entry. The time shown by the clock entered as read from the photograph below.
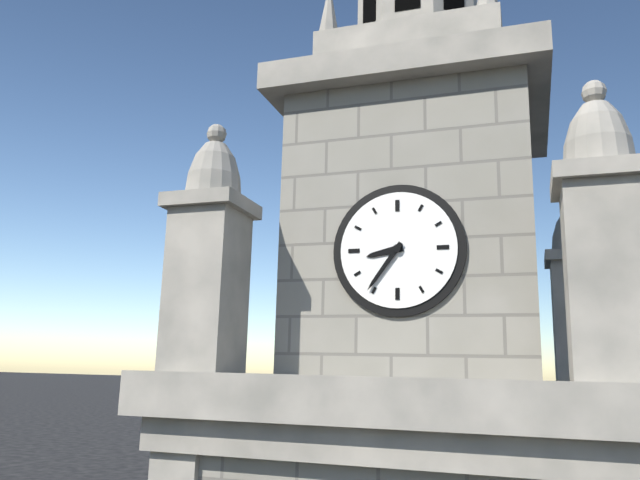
8:36
